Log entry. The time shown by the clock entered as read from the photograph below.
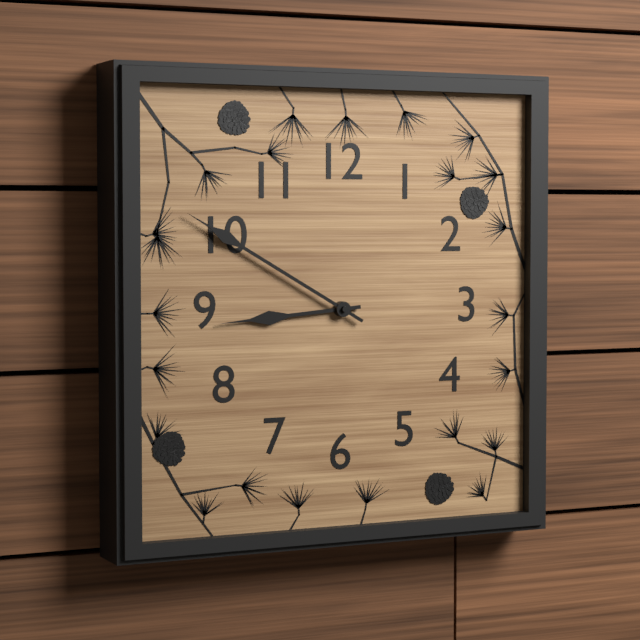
8:50
